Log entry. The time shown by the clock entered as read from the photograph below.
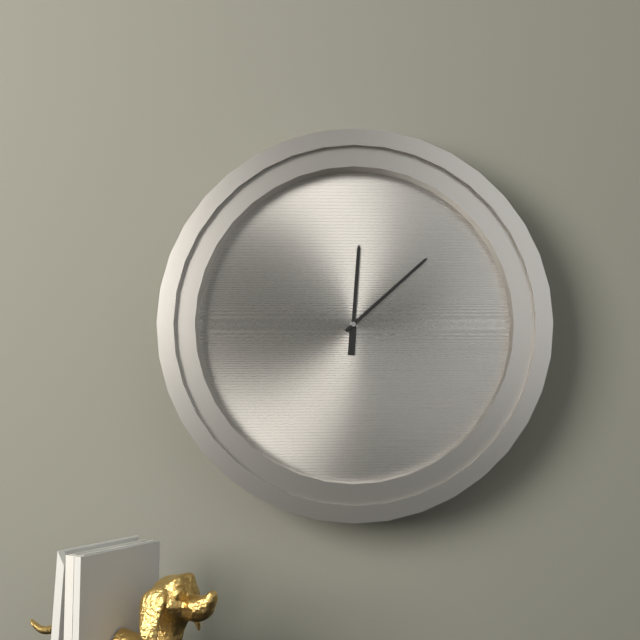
12:08
